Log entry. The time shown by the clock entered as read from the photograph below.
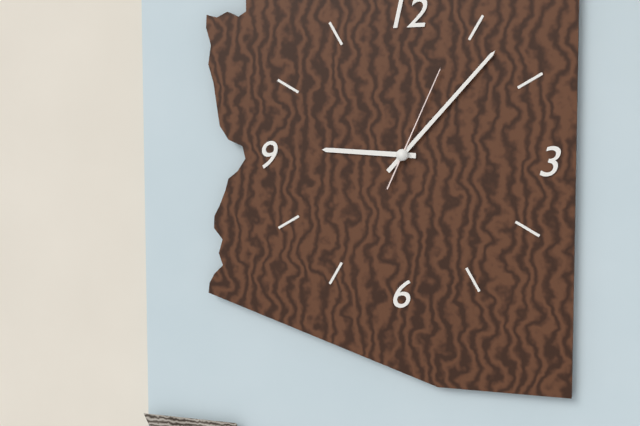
9:07:04
